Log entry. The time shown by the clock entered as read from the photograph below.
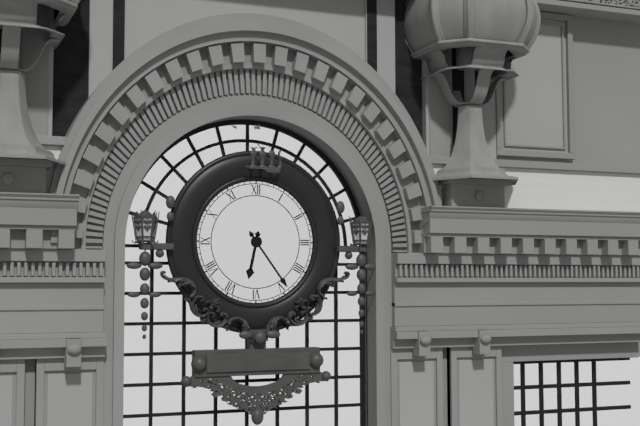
6:24
